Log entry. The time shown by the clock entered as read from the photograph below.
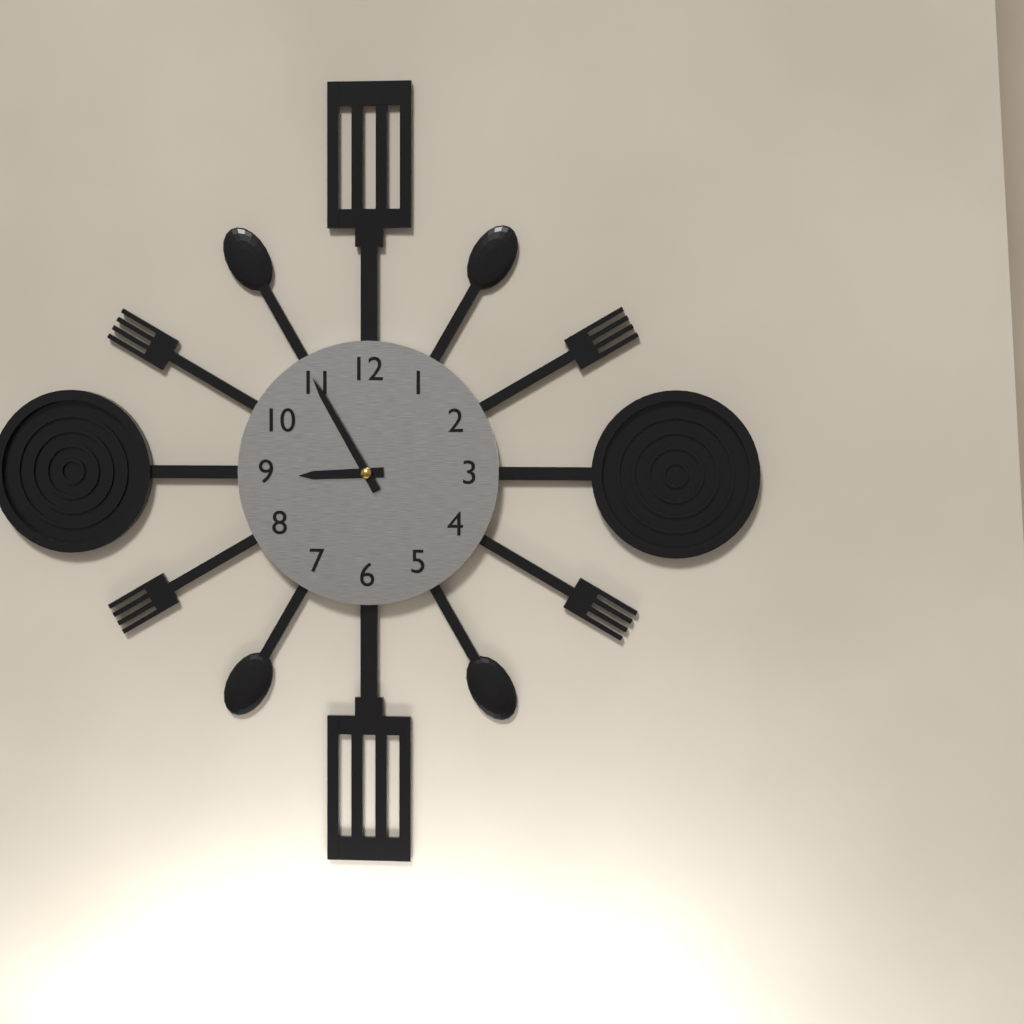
8:55
